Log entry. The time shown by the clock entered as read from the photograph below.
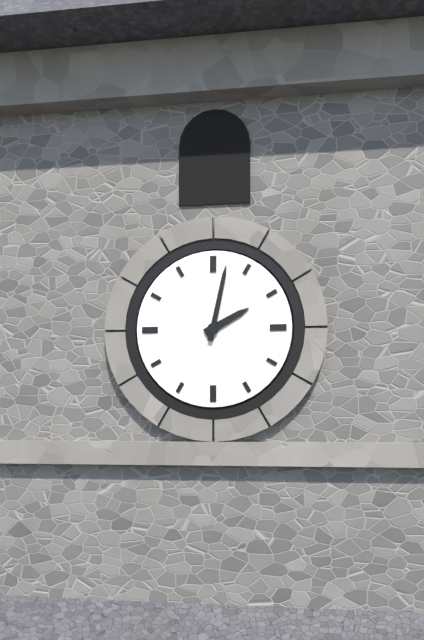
2:02
